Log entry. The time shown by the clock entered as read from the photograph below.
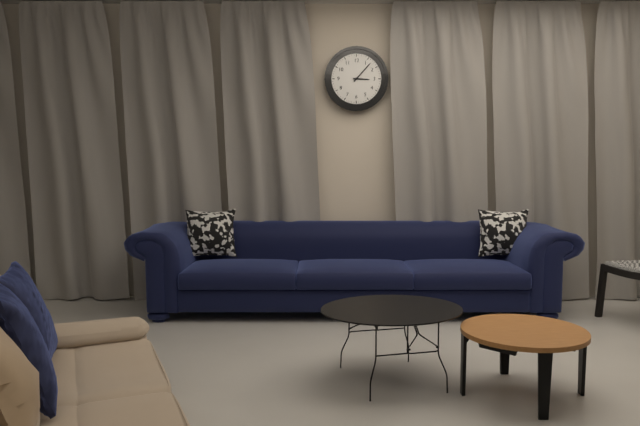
3:07
